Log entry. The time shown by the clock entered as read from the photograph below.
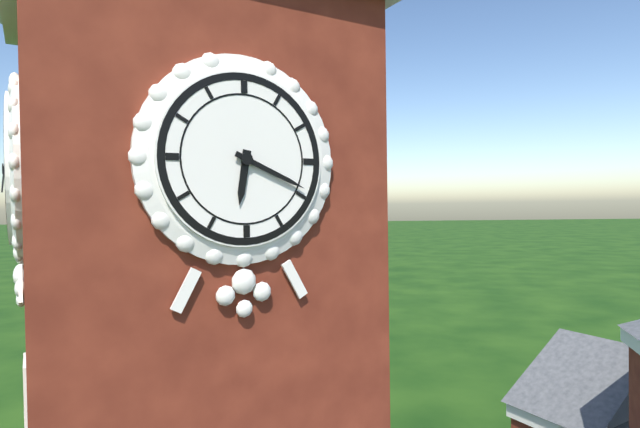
6:19
